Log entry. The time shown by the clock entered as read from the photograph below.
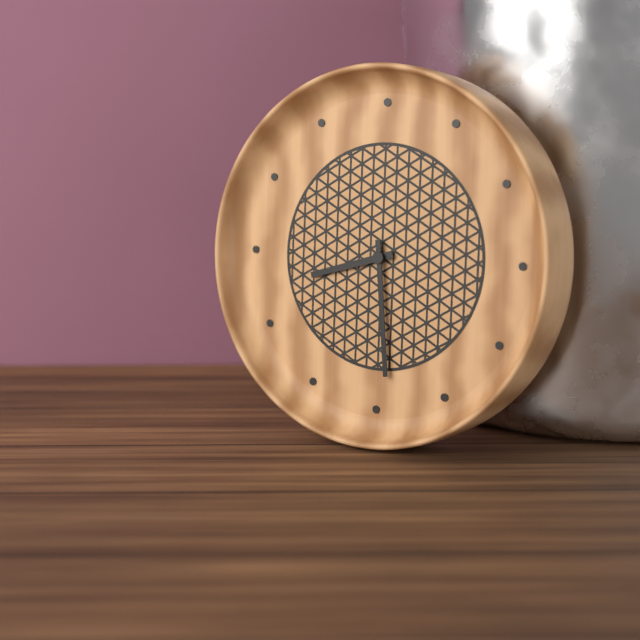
8:29
